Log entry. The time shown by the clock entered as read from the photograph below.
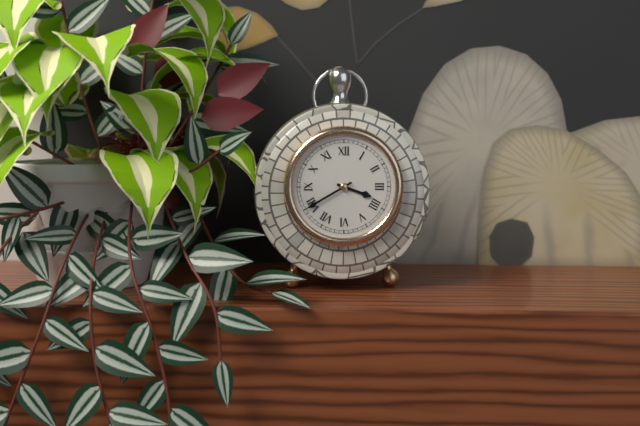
3:40
